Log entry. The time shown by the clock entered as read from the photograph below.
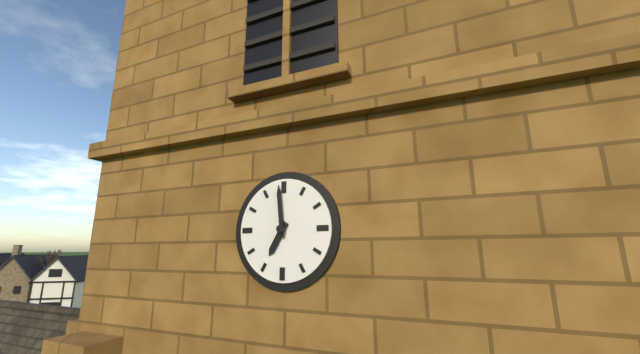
6:59
